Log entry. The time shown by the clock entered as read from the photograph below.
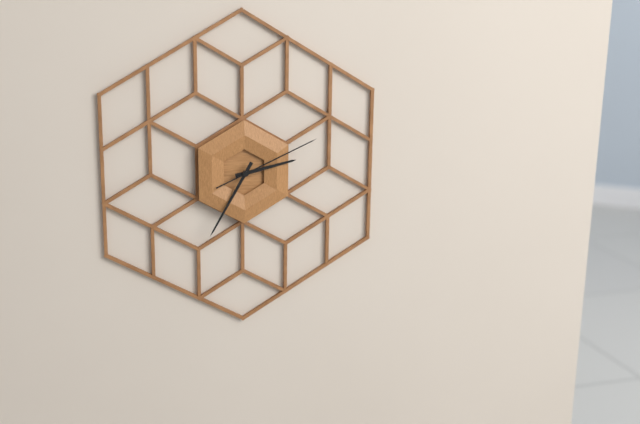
2:35:11
